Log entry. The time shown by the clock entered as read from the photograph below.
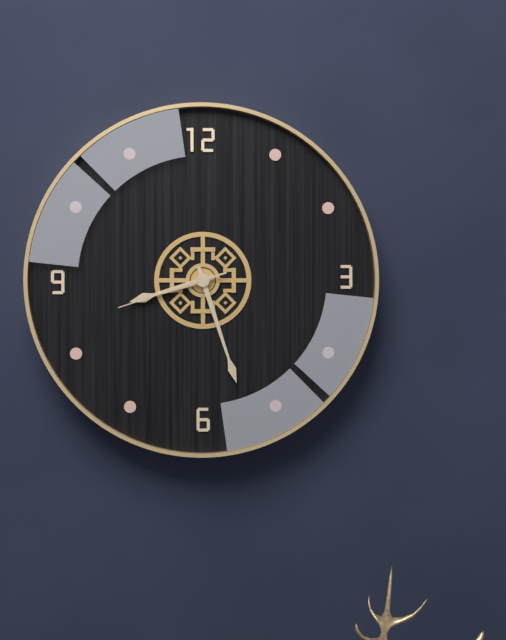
8:27:42
